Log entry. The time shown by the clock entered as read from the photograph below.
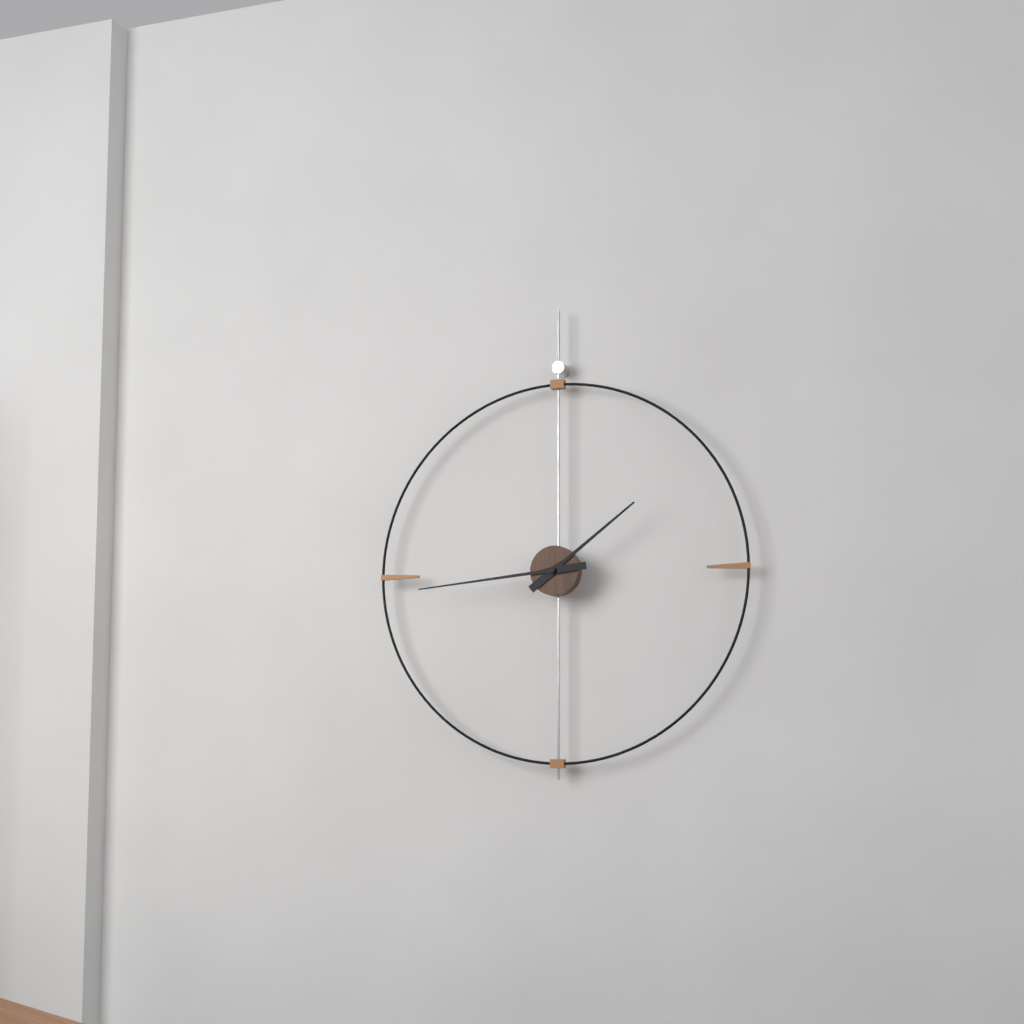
1:44
